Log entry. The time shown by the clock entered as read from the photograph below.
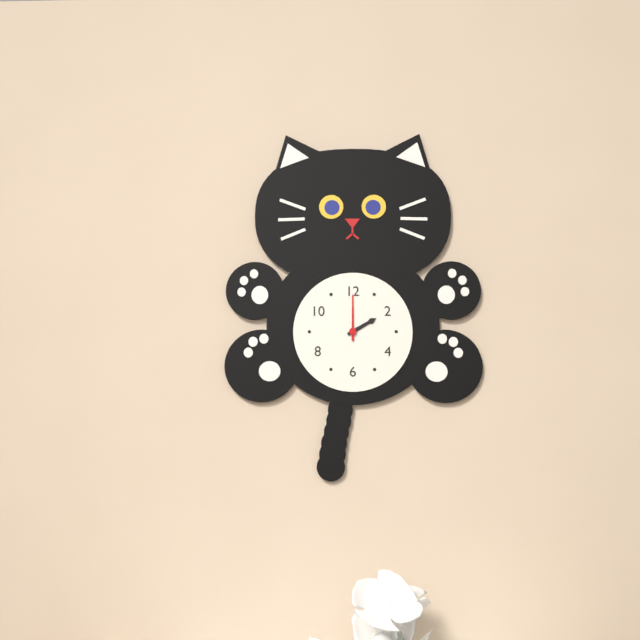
2:00
